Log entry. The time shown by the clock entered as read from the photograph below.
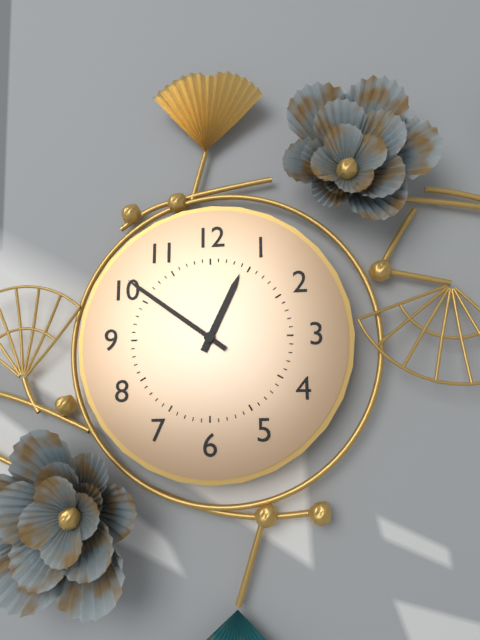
12:51
